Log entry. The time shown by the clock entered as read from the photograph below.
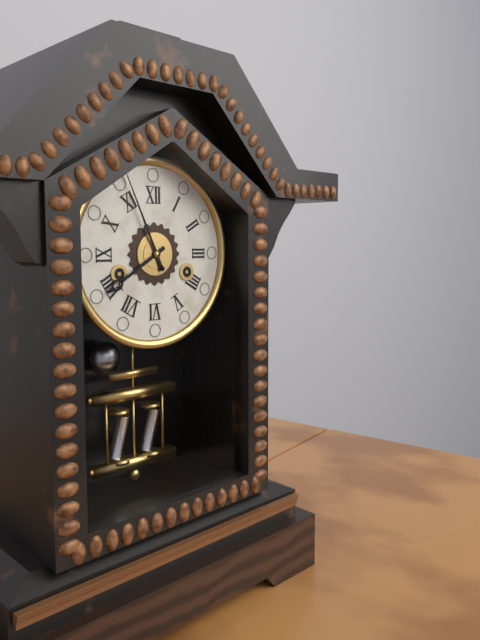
7:56
